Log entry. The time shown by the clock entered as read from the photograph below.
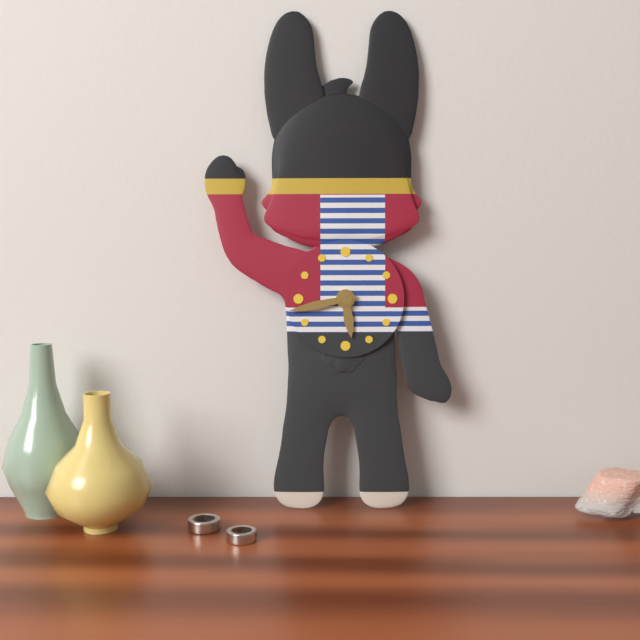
5:43
